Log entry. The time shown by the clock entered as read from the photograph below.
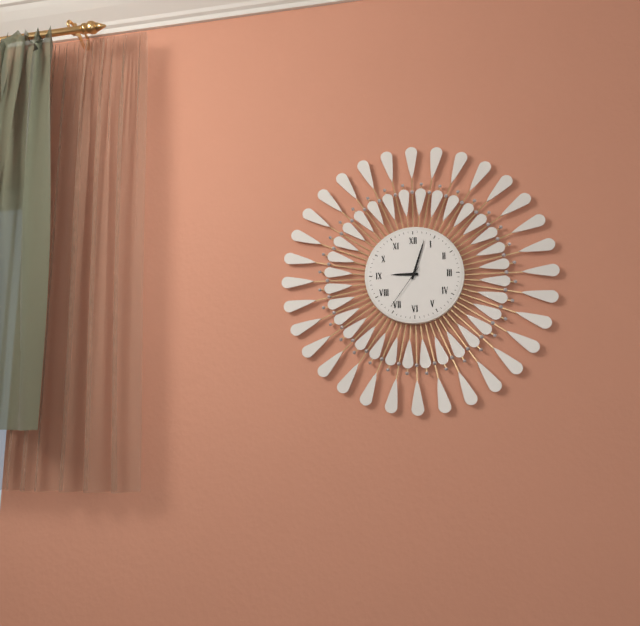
9:03
